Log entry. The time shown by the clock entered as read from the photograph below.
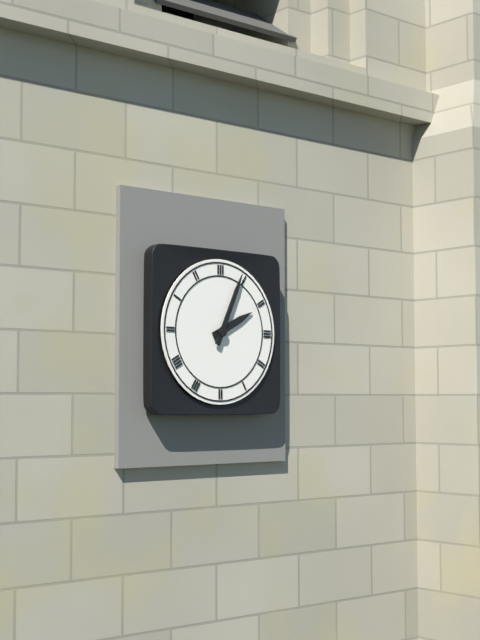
2:04
